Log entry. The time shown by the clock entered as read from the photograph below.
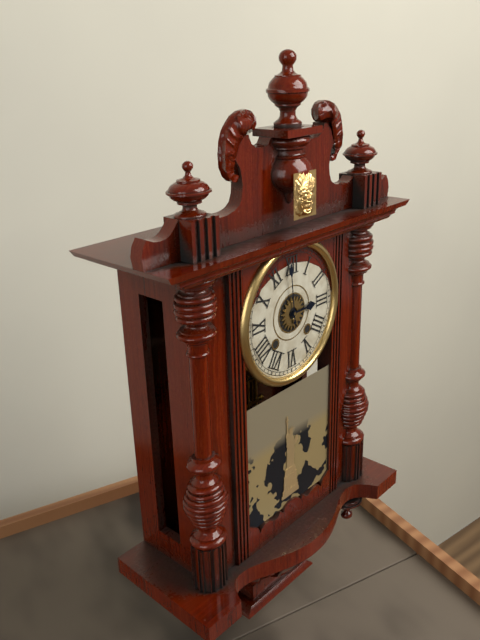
2:59
